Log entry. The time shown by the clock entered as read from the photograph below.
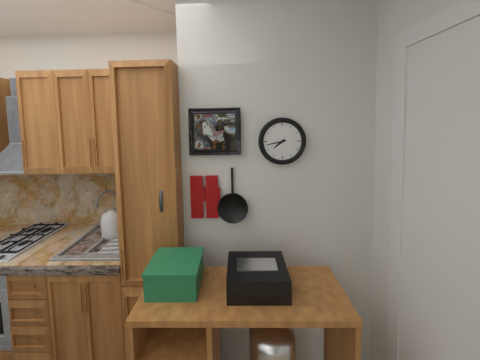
7:43
